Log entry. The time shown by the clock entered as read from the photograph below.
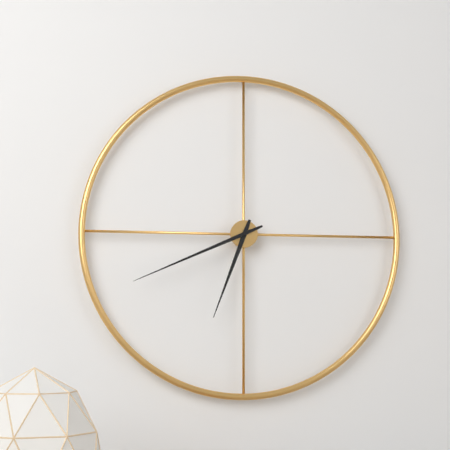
6:41
